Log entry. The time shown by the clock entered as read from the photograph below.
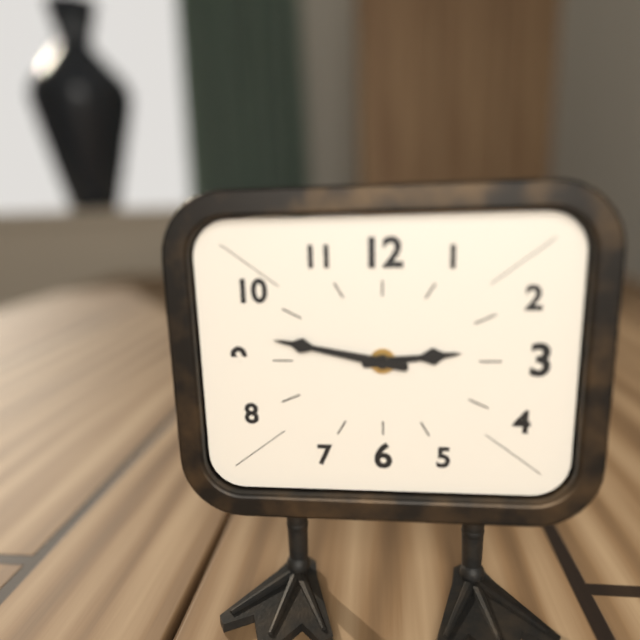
2:47
